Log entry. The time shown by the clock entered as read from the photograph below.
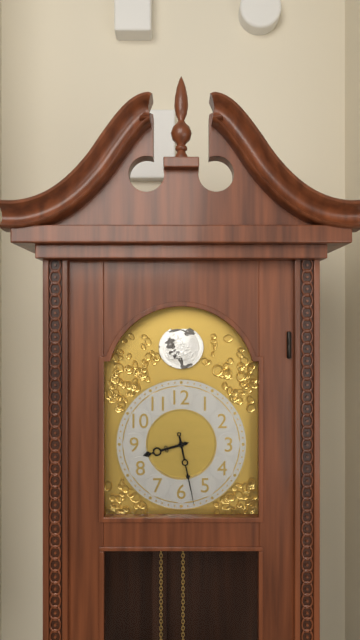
8:28
